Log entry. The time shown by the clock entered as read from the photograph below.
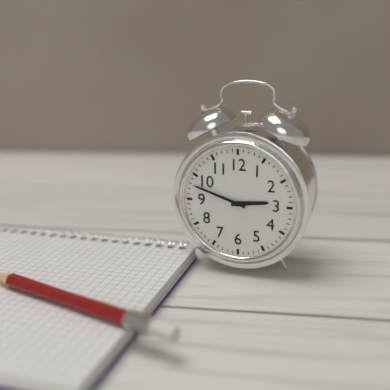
2:48
